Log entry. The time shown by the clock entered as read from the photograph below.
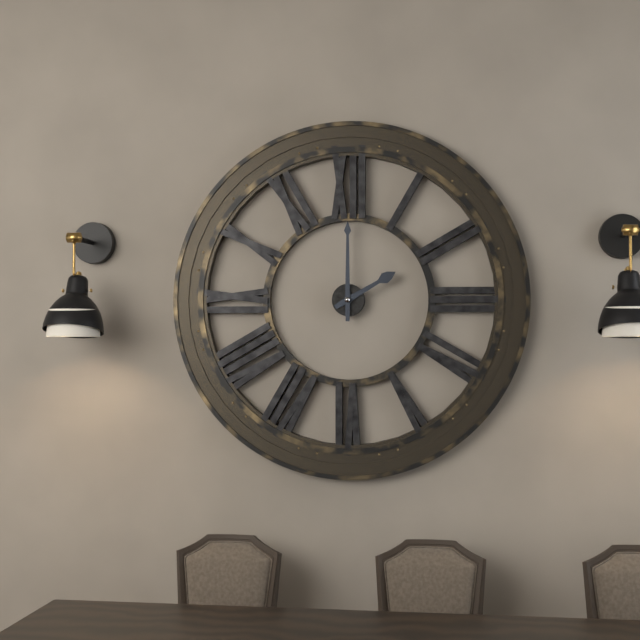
2:00
